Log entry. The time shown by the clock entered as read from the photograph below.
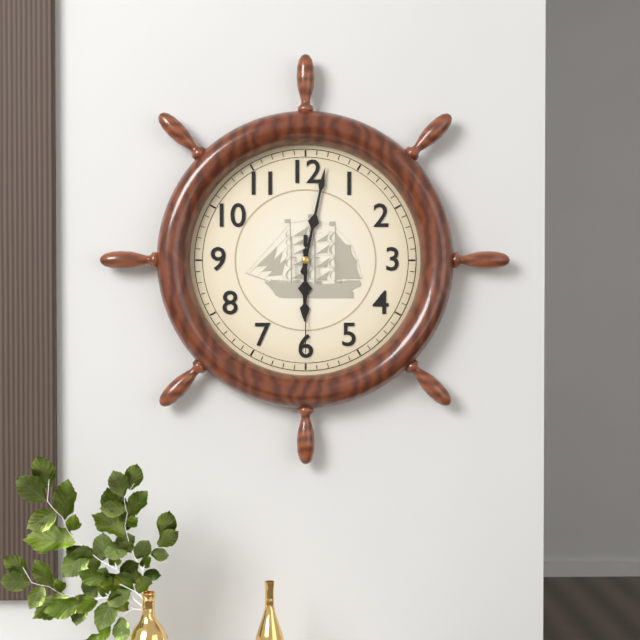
6:02:30
